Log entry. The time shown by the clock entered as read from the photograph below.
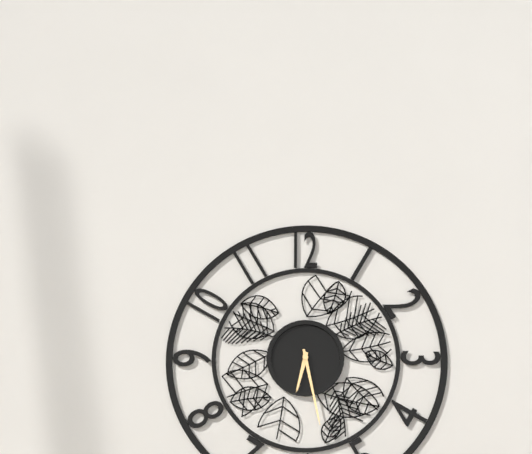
6:28
